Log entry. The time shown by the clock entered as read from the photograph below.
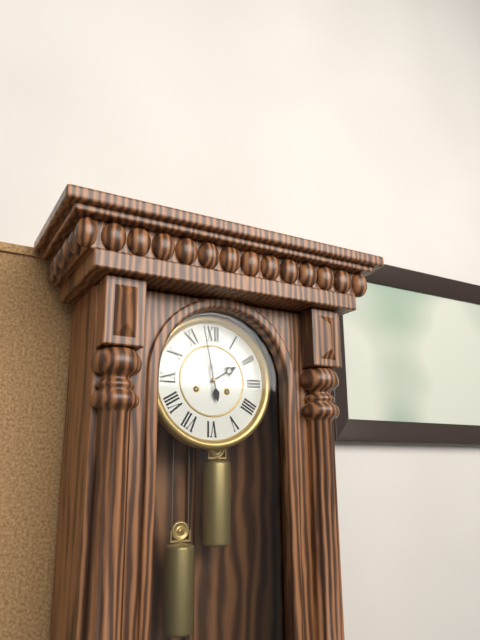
1:58
